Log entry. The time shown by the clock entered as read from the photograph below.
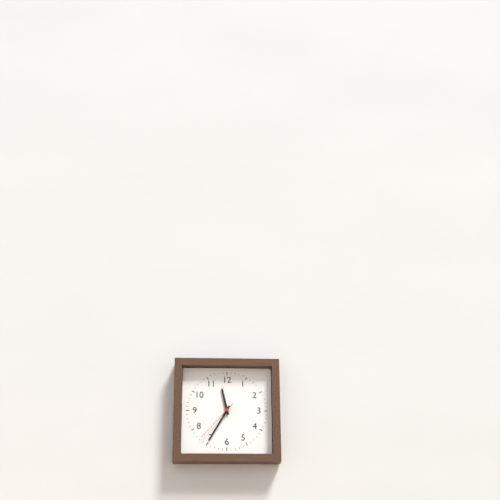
11:35
